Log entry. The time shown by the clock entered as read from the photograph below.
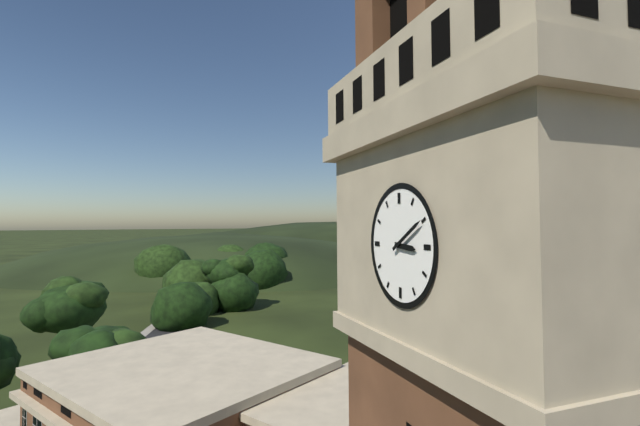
3:10
